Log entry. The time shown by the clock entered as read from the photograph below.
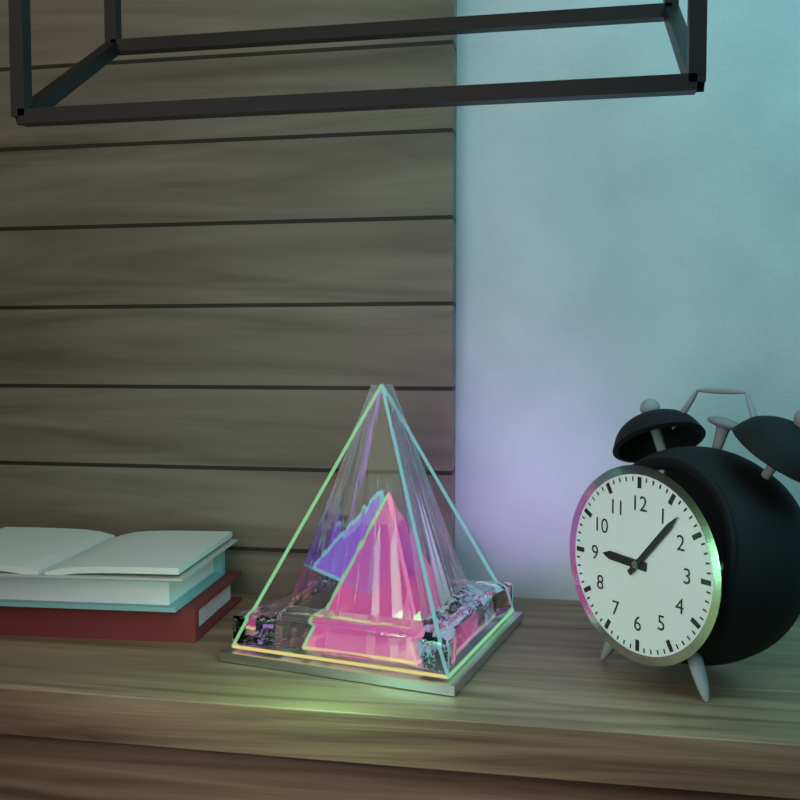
9:07
